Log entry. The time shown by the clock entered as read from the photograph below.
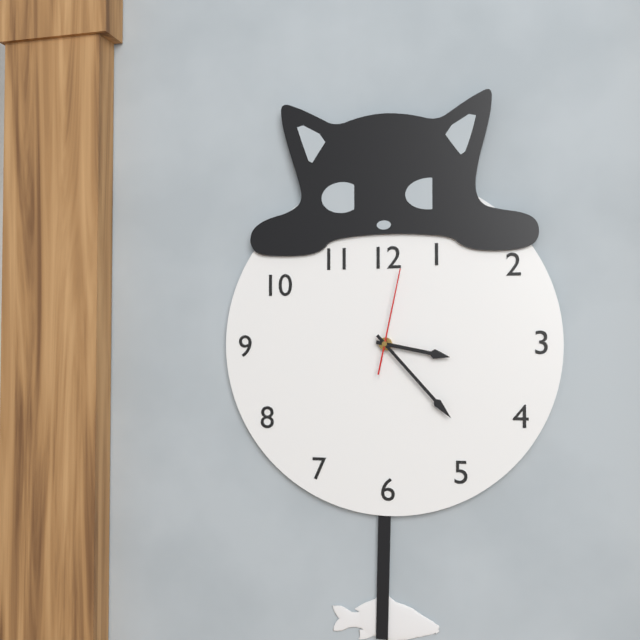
3:23:02
